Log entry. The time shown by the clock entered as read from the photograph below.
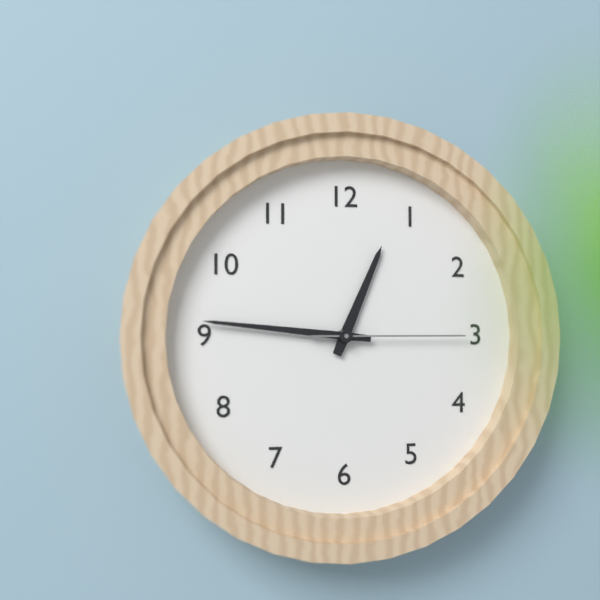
12:46:15
